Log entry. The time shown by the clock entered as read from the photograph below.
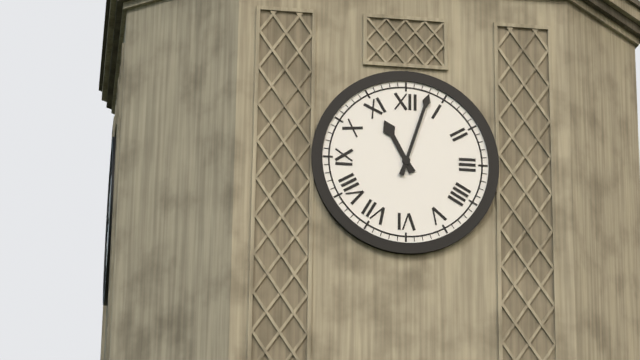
11:03
